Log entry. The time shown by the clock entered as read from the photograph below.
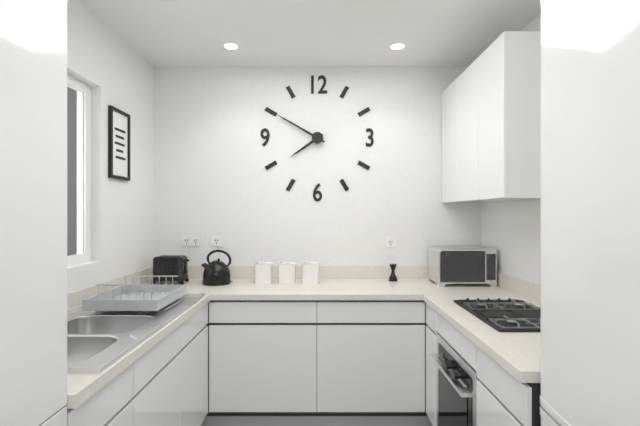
7:50
